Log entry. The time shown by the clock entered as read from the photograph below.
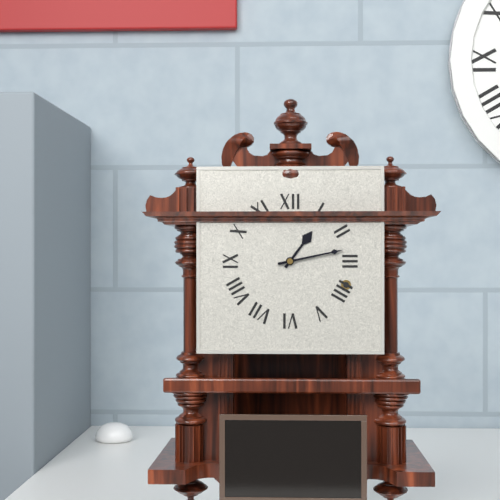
1:13
